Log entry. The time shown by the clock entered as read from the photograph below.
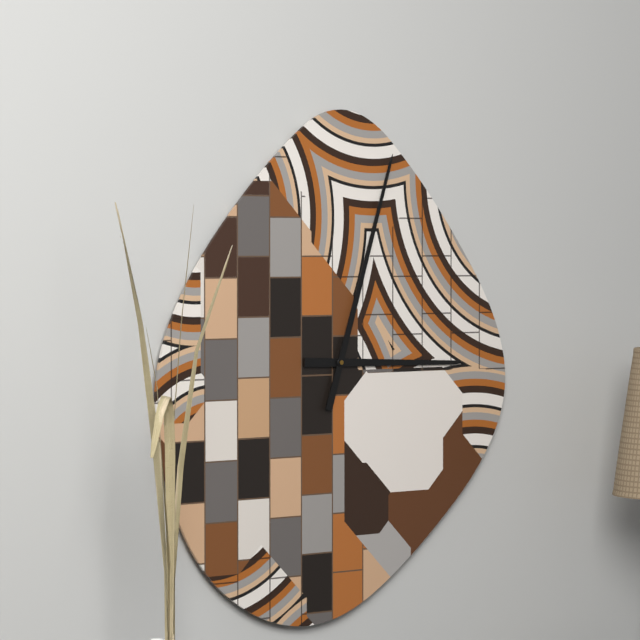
3:03
